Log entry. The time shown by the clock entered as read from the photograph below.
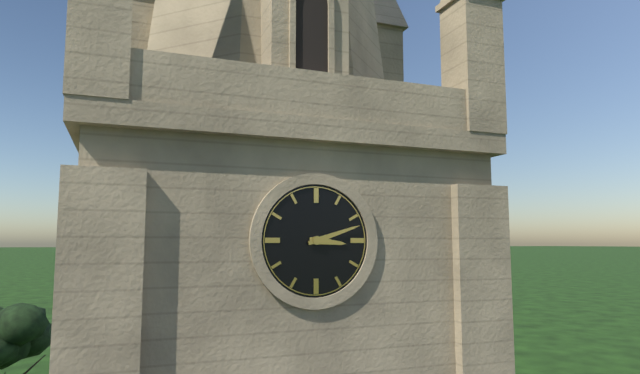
3:12
